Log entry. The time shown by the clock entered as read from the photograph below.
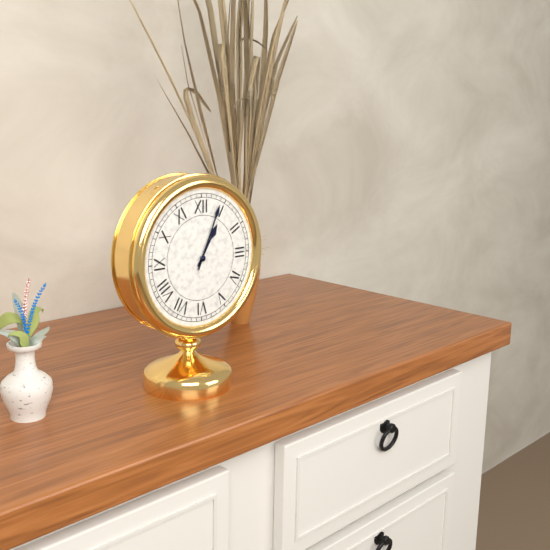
1:04
